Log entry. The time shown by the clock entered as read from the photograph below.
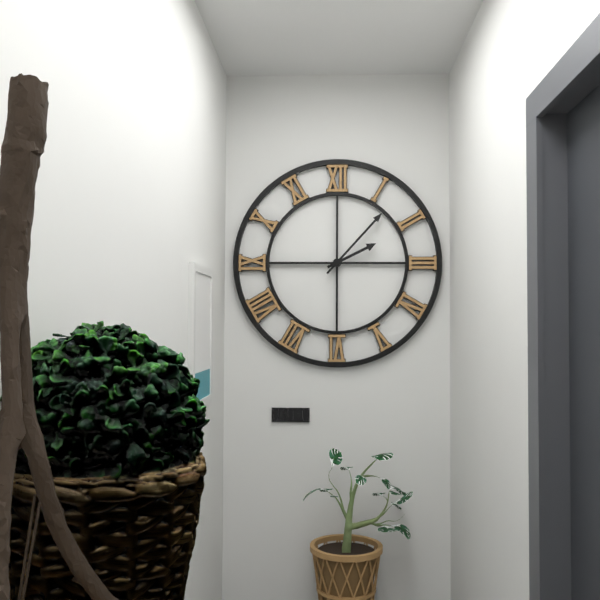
2:07
